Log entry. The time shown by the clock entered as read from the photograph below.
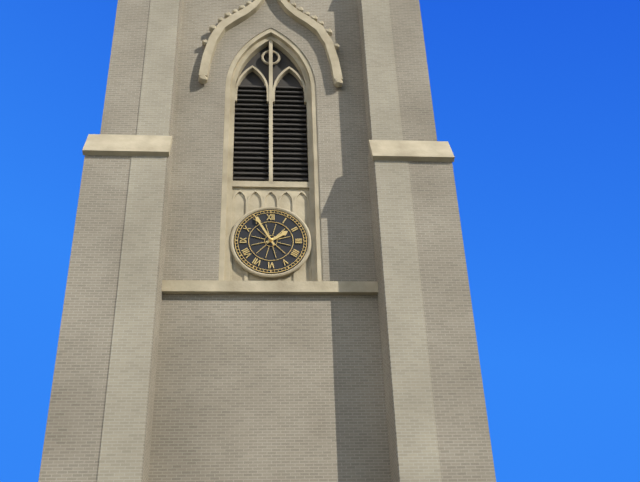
1:55
